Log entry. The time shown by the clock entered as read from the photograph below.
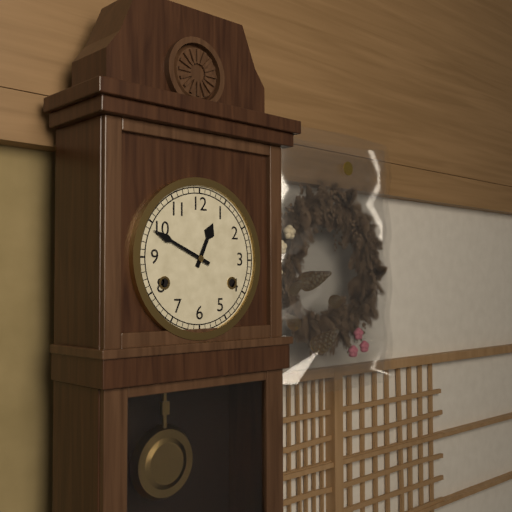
12:49
